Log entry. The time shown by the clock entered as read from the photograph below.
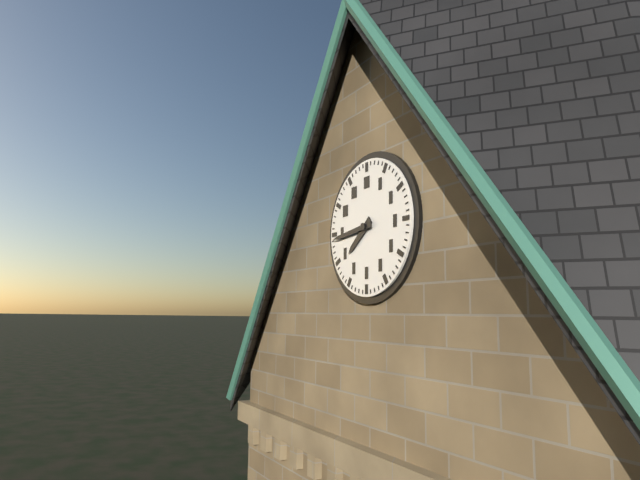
7:44
